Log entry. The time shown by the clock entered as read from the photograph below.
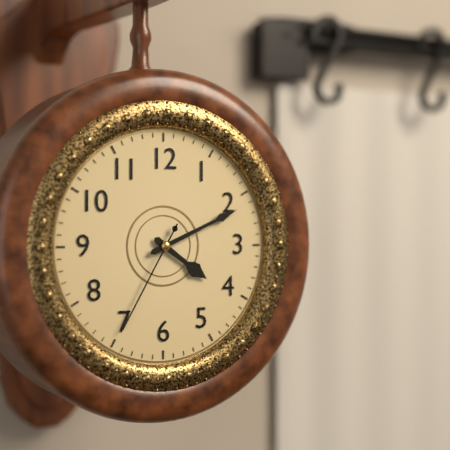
4:11:35
